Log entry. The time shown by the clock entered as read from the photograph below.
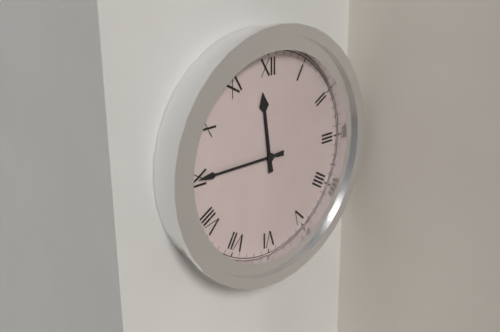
11:45
